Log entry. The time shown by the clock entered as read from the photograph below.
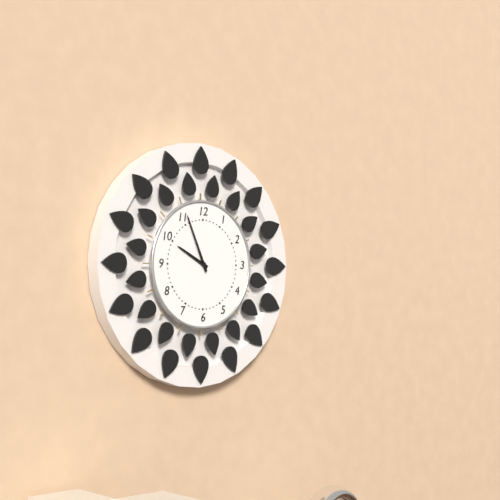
9:56
